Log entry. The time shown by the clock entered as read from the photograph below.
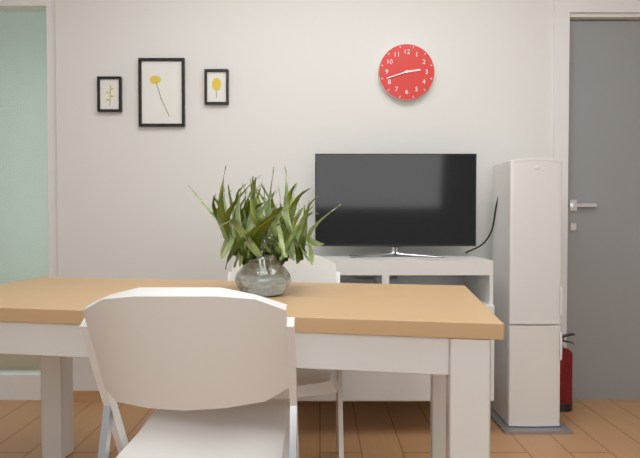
2:42
